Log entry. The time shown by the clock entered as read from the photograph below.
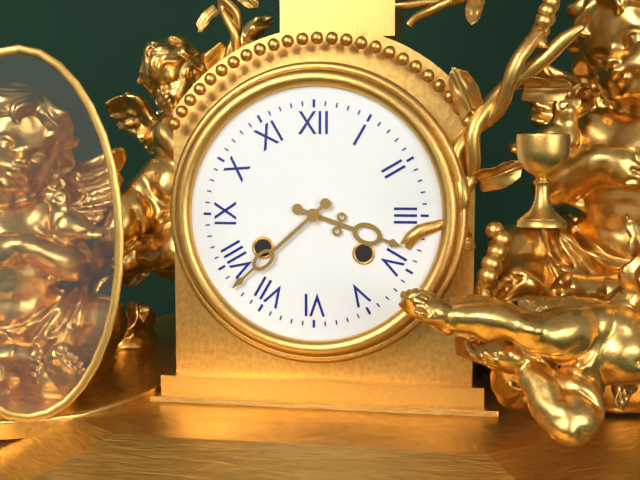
3:38
